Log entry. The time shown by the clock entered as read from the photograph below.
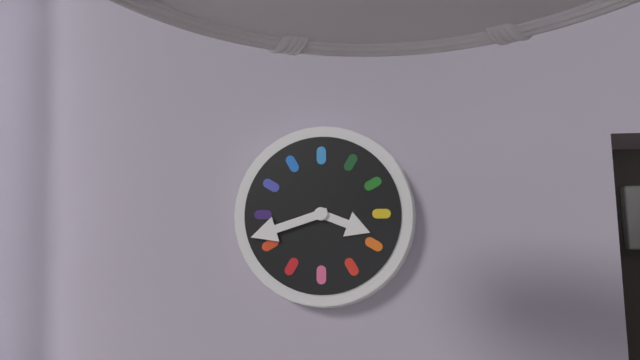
3:42
